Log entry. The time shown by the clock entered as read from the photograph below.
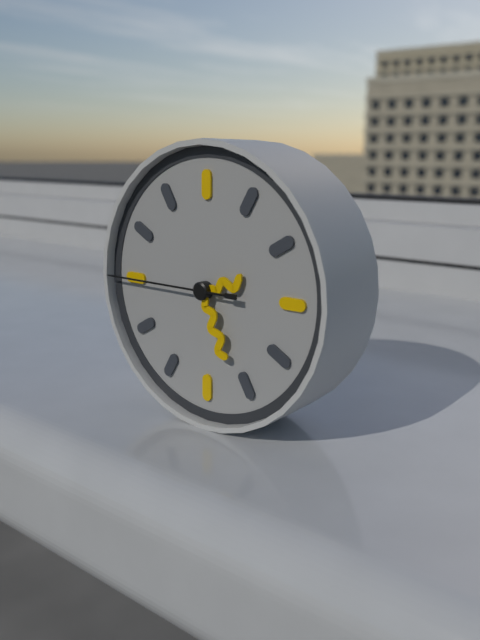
2:26:45
